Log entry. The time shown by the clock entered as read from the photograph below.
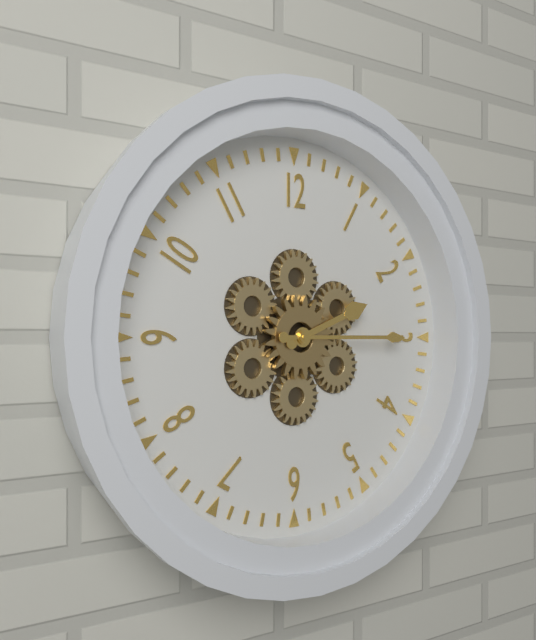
2:15
